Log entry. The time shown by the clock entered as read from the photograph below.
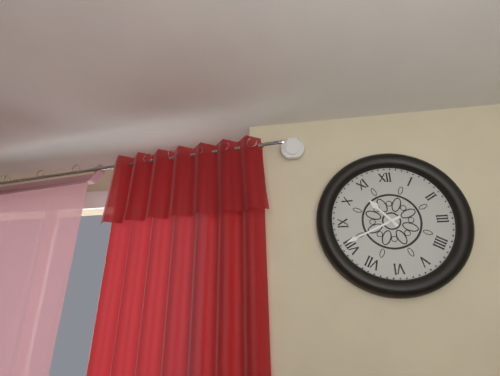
10:41
